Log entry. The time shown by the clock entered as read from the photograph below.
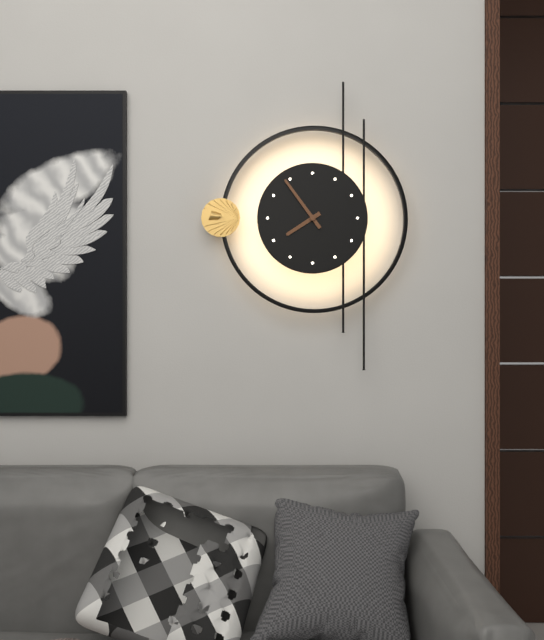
7:54
